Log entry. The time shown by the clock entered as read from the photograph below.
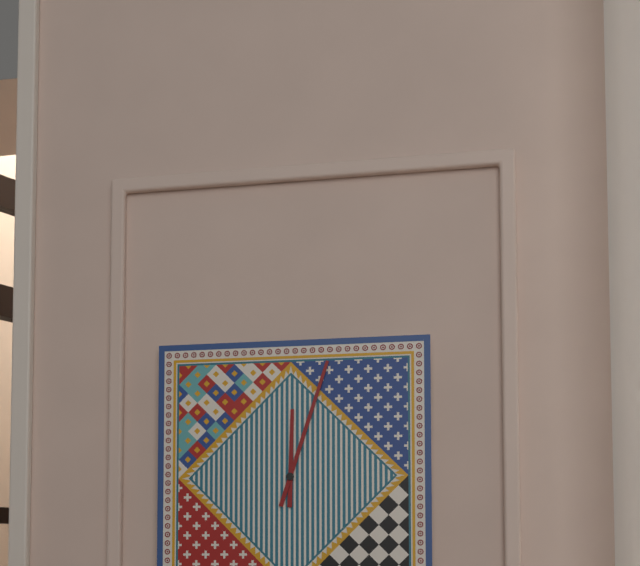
12:03
